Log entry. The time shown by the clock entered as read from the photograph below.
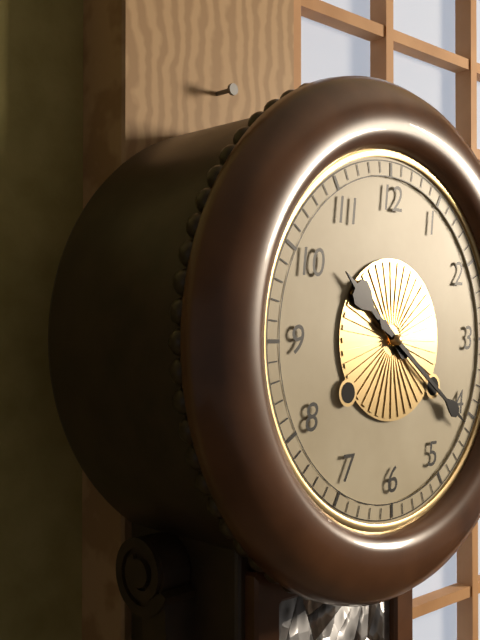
10:21
